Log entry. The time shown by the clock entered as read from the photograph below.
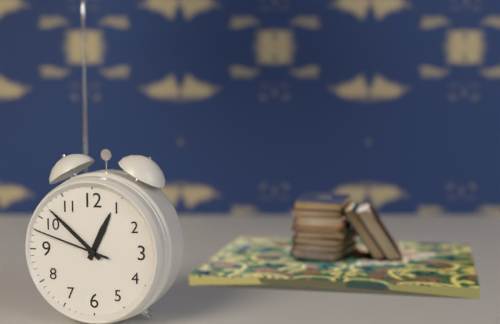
12:52:48
